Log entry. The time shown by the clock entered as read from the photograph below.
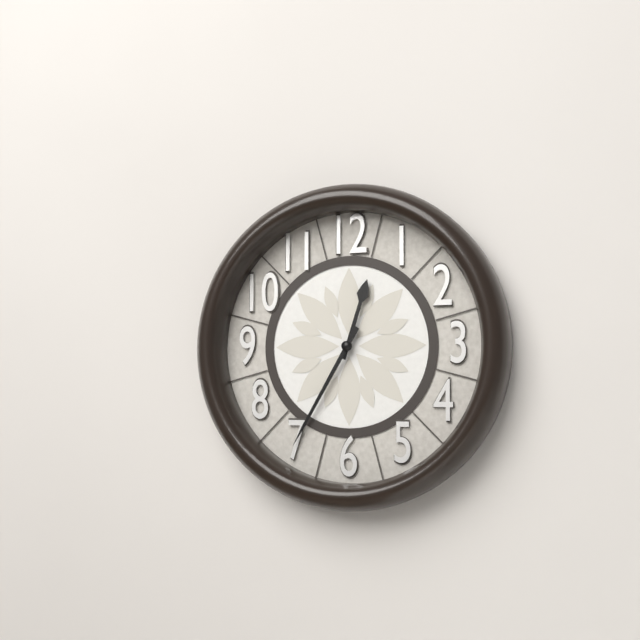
12:35
